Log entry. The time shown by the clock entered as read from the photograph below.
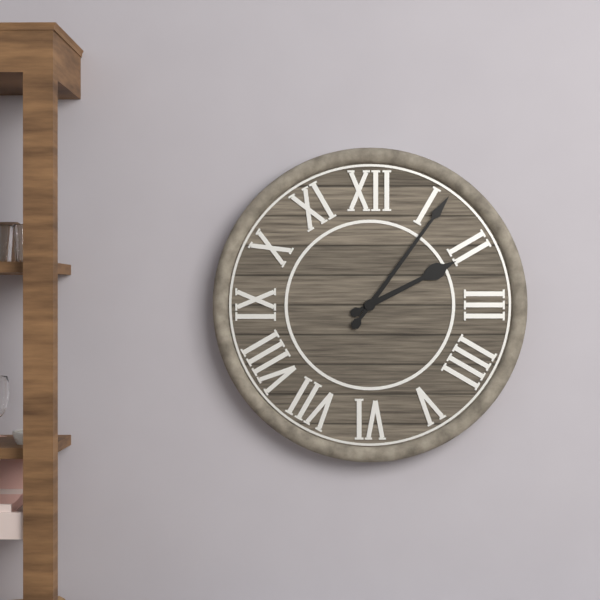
2:06
